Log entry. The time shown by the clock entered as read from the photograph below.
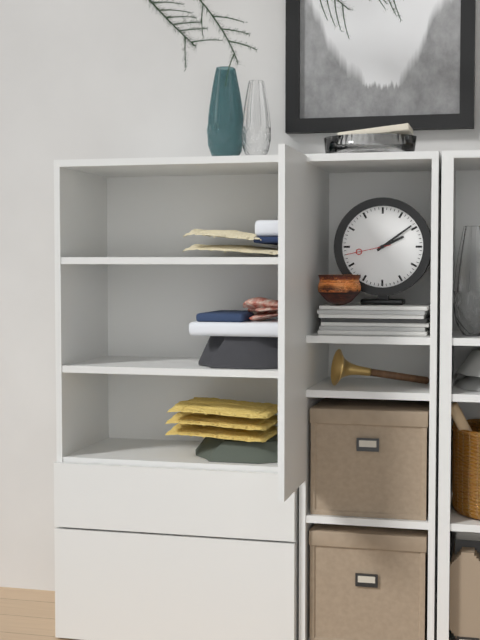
2:09
